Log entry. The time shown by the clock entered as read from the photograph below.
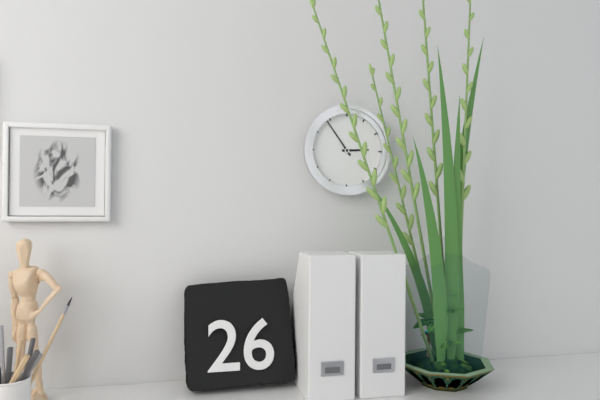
2:54
